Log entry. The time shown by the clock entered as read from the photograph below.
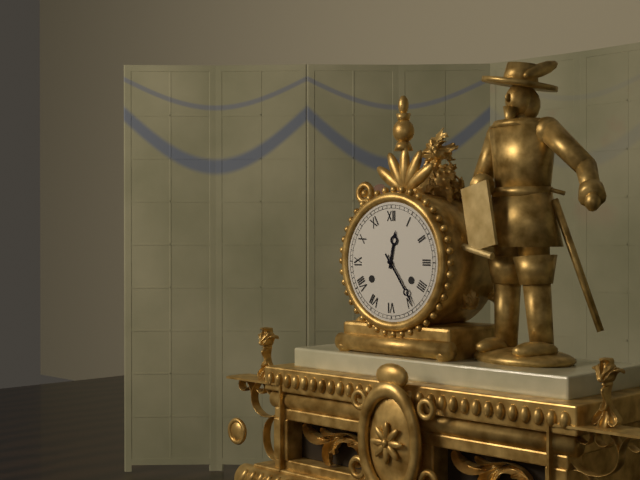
12:24
